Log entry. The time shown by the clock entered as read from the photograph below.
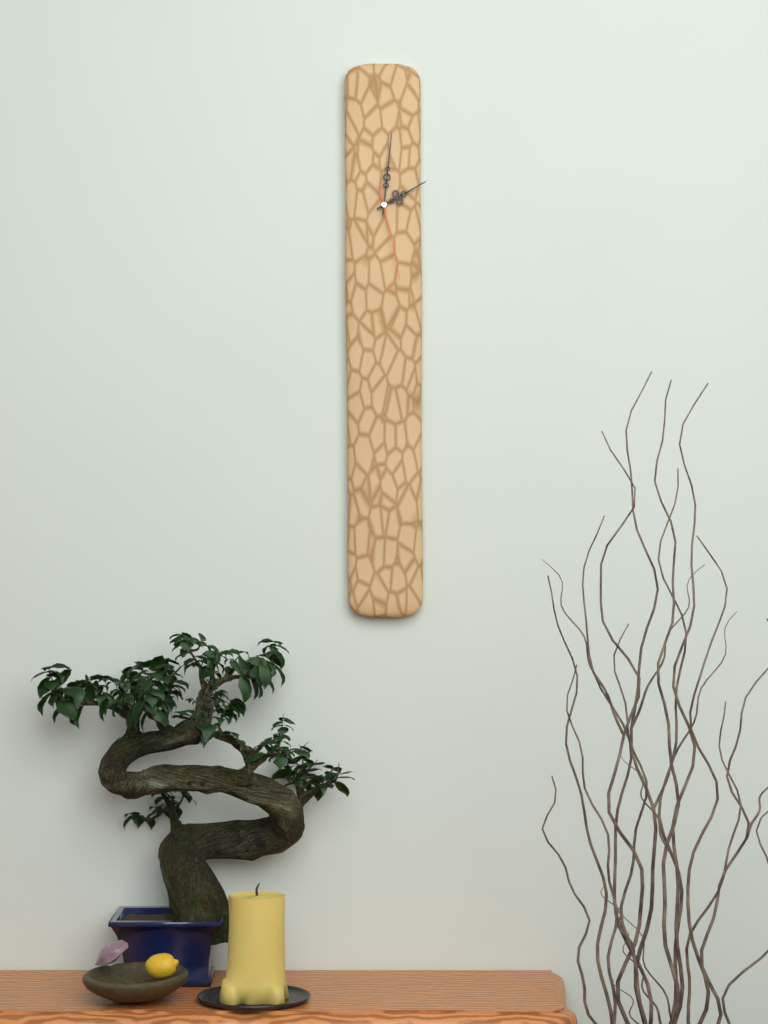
2:01:28
